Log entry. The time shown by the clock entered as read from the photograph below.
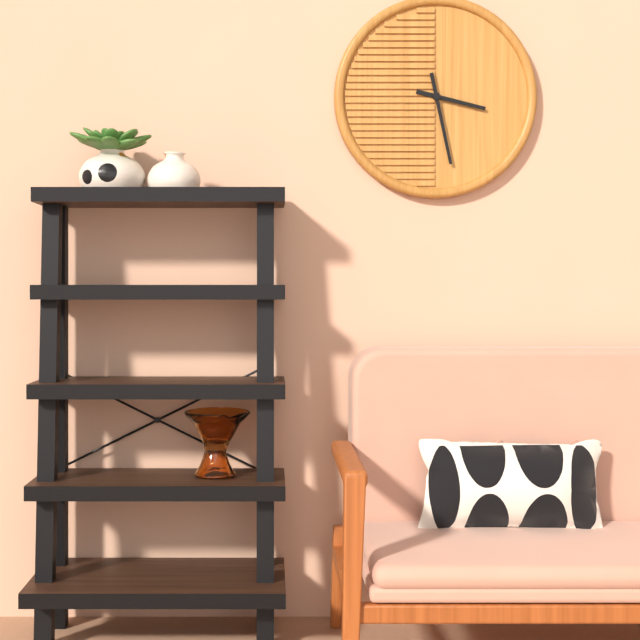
3:28
